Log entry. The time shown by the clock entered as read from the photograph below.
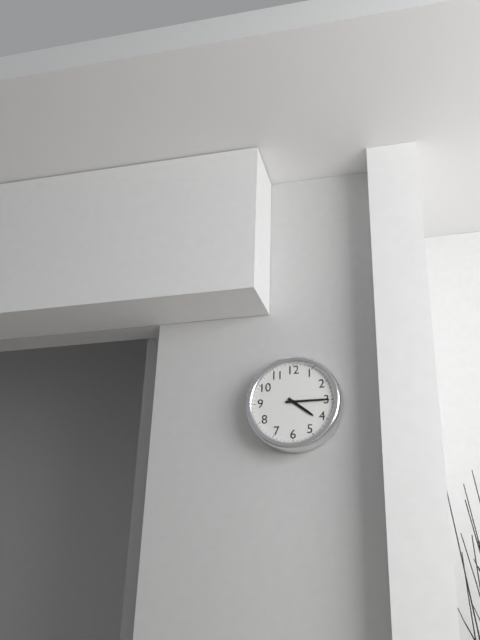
4:15
